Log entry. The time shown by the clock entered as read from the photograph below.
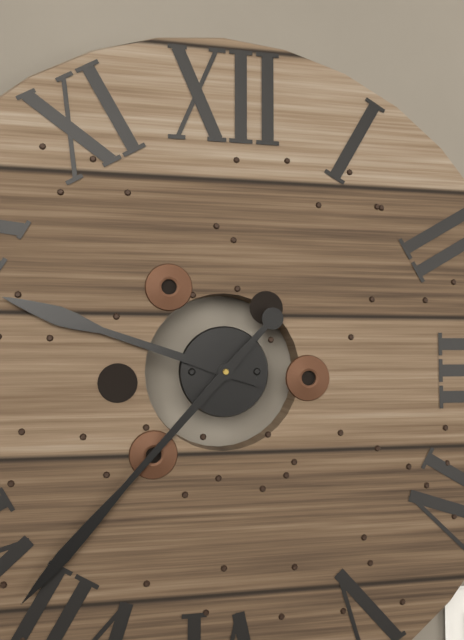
9:37
